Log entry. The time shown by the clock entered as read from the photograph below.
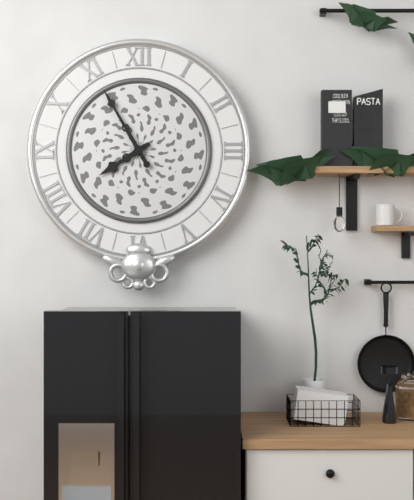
7:55
